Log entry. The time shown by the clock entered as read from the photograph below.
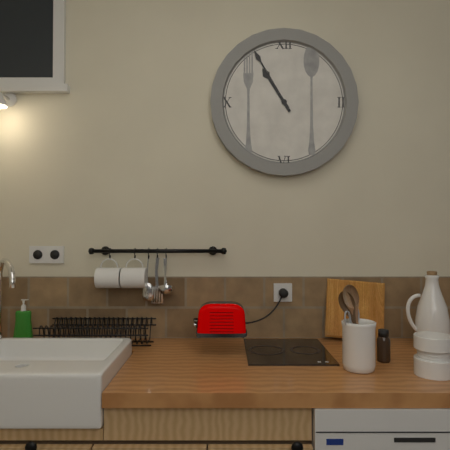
10:55
